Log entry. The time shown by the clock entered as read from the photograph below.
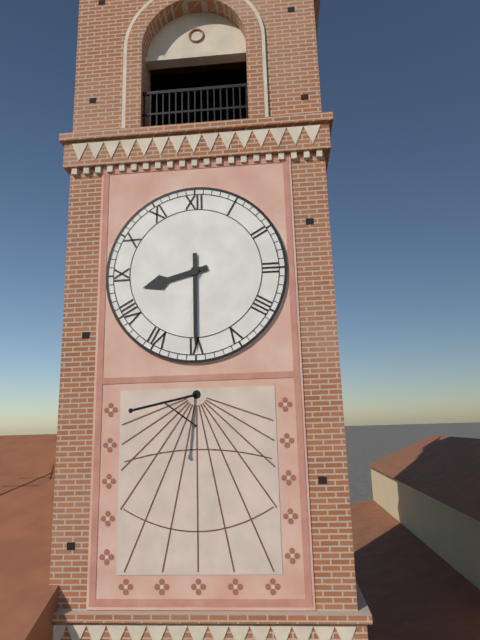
8:30
